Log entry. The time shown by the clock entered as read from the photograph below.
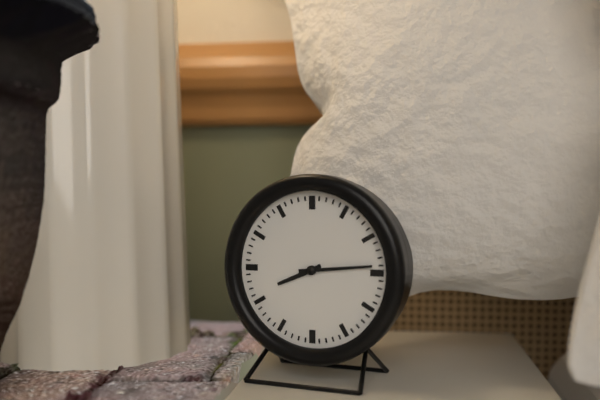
8:14
